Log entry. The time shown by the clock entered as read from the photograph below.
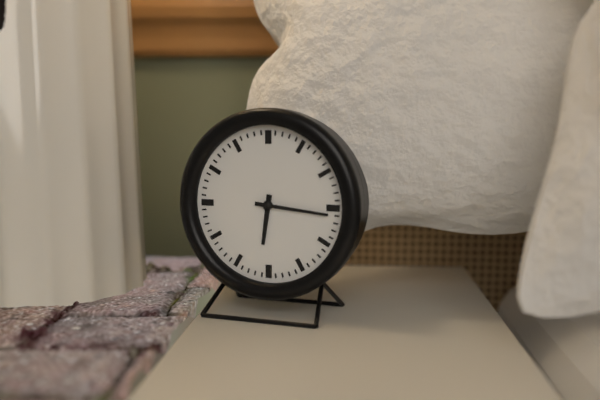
6:16
